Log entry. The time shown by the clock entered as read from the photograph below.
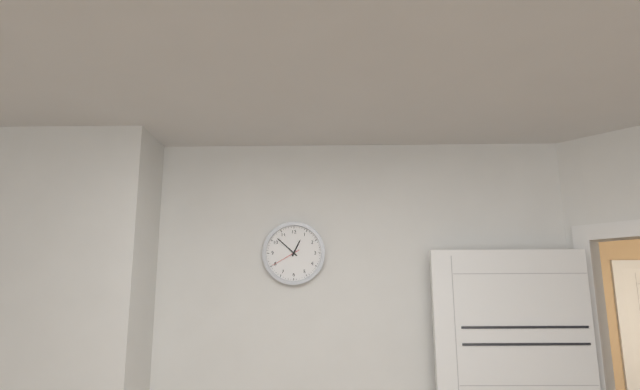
12:52
